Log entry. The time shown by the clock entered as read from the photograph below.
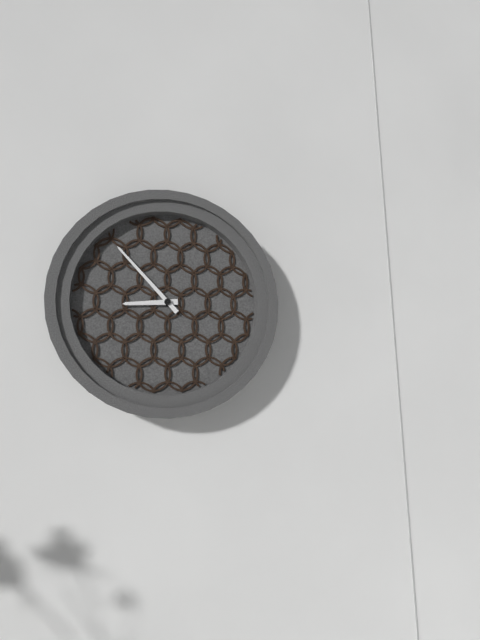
8:53
